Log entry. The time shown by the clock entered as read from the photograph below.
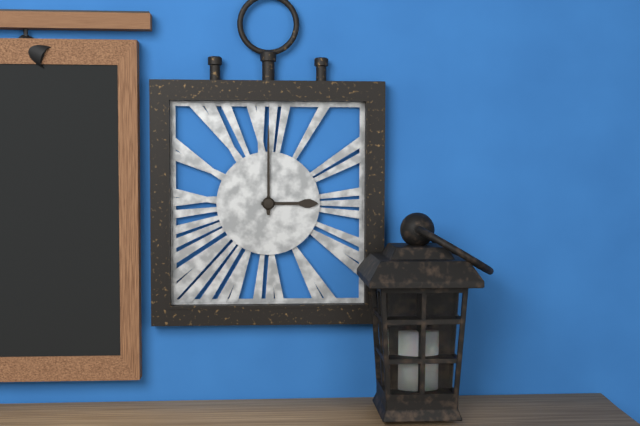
3:00
